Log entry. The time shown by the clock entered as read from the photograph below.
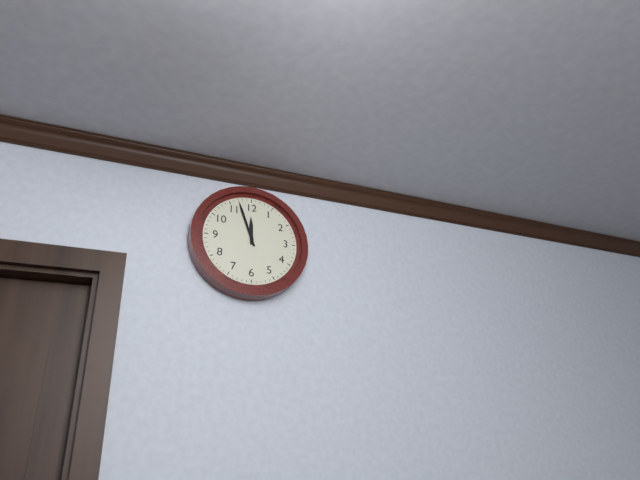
11:57
